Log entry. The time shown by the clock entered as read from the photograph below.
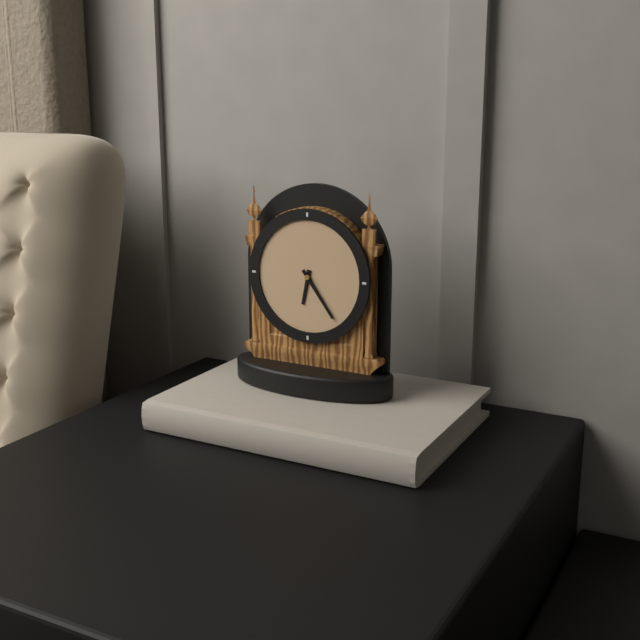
6:24
